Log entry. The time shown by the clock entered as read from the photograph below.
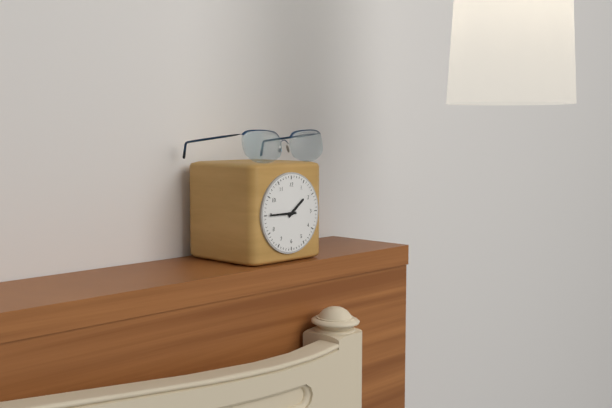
1:45
